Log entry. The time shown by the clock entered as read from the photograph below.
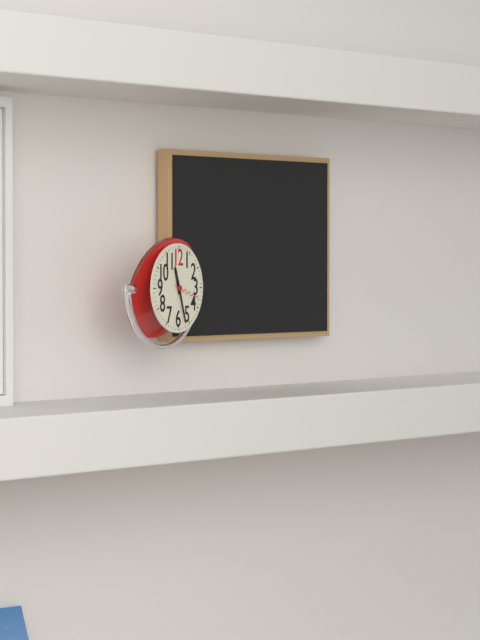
11:27
